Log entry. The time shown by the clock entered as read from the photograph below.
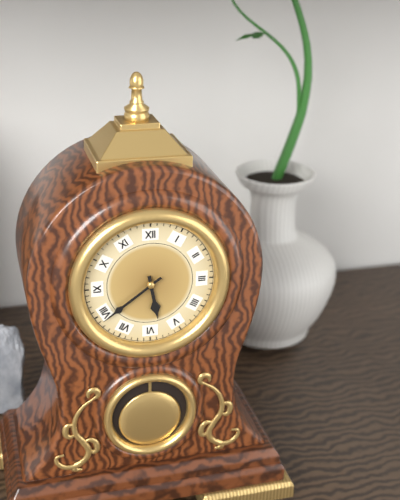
5:39
